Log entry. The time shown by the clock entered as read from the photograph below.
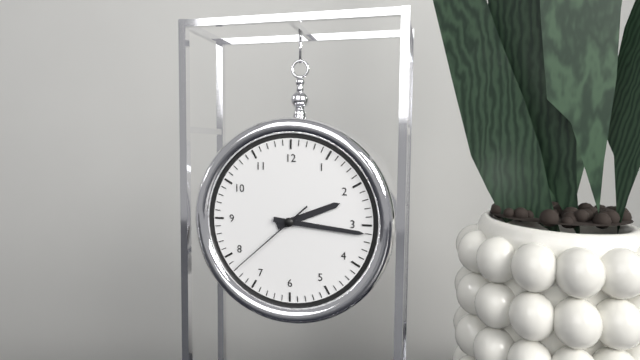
2:16:38
